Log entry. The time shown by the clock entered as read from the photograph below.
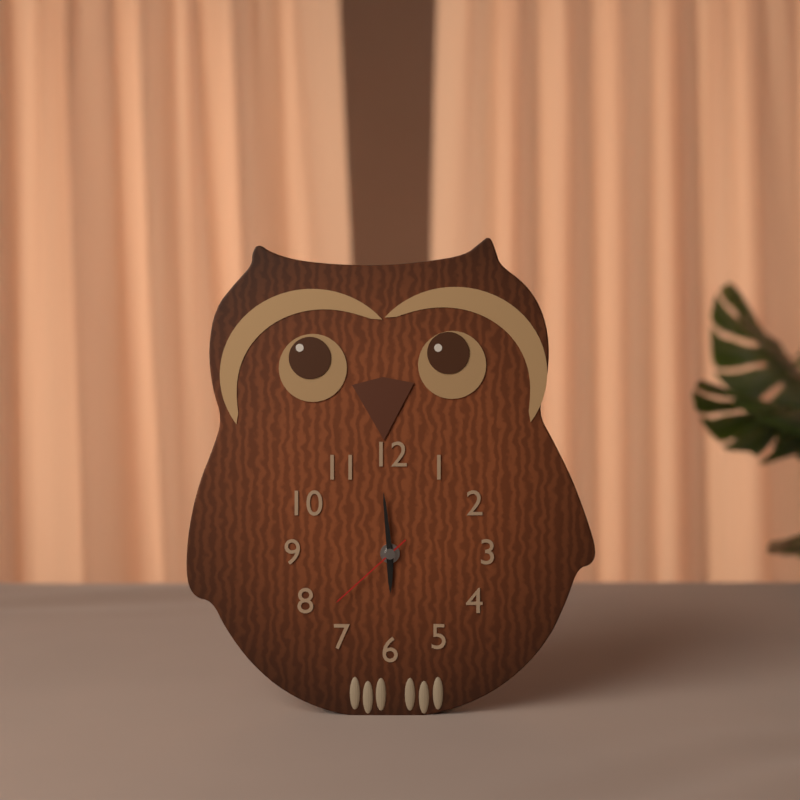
5:59:38
